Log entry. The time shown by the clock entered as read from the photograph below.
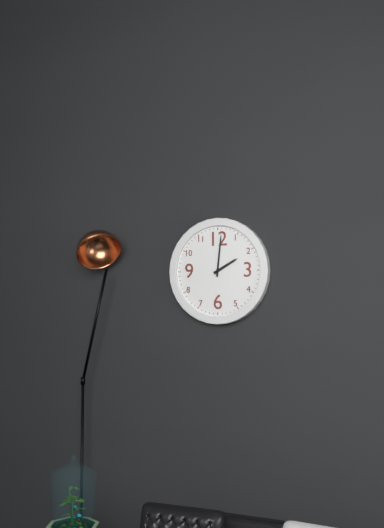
2:01
